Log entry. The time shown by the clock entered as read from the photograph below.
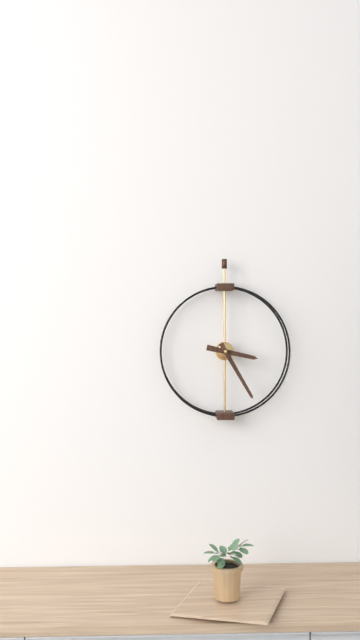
3:25
